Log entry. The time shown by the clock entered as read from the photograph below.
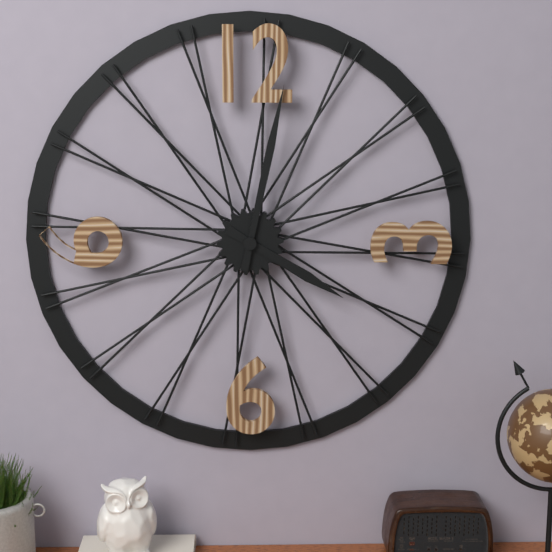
4:02
